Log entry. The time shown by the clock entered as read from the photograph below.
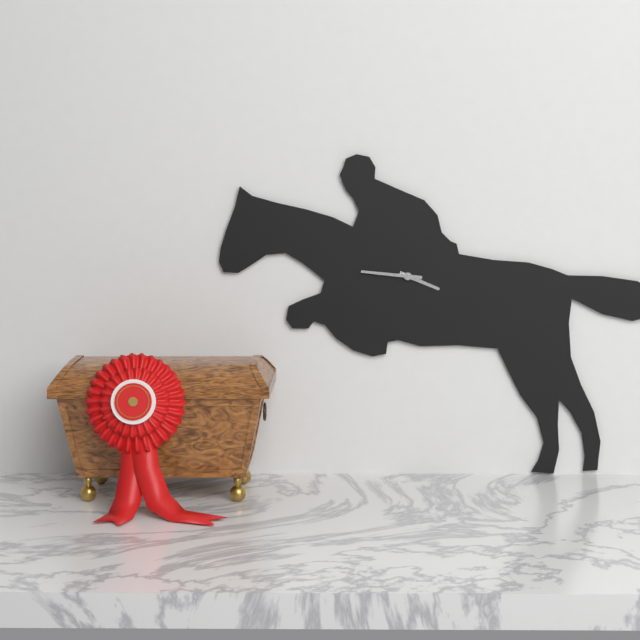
3:46
